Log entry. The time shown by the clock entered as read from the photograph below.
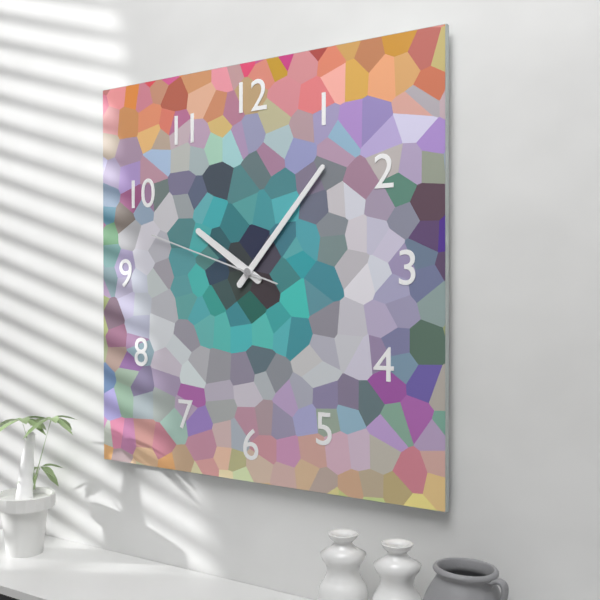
10:07:48
